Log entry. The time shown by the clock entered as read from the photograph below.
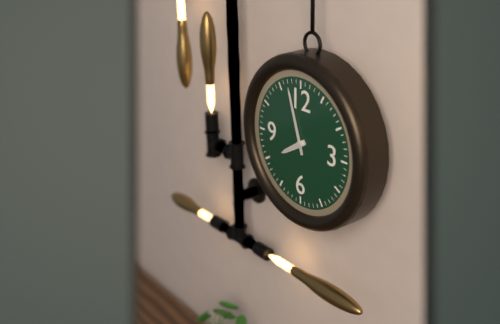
7:57
